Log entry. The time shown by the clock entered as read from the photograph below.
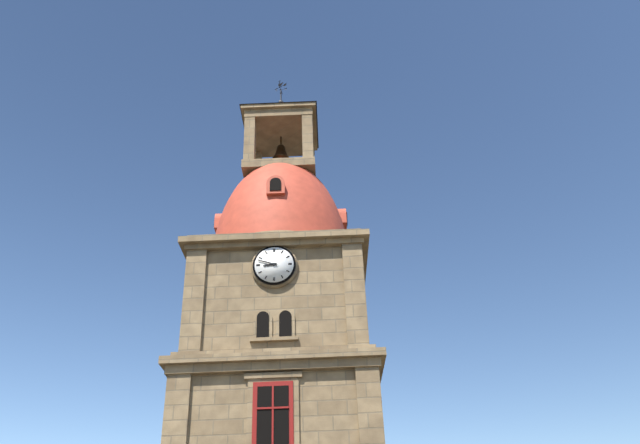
8:48
